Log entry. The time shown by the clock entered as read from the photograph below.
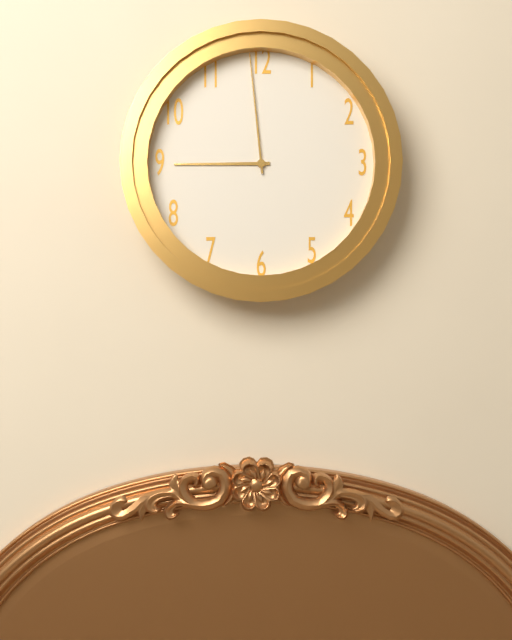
8:59
